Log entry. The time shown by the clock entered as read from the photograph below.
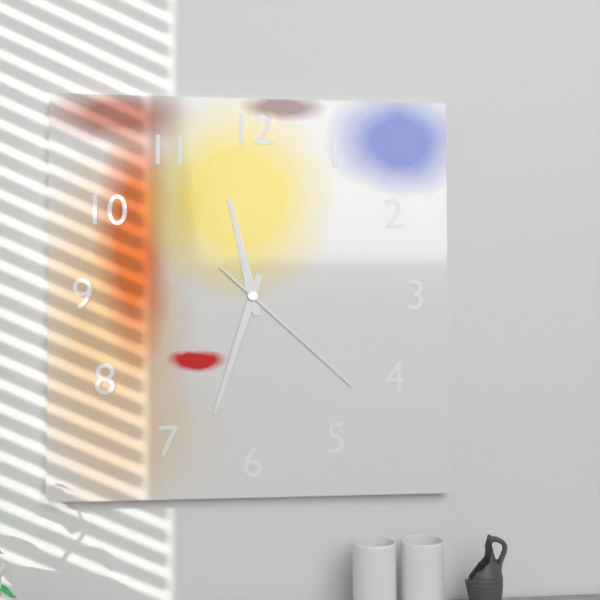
11:33:22
